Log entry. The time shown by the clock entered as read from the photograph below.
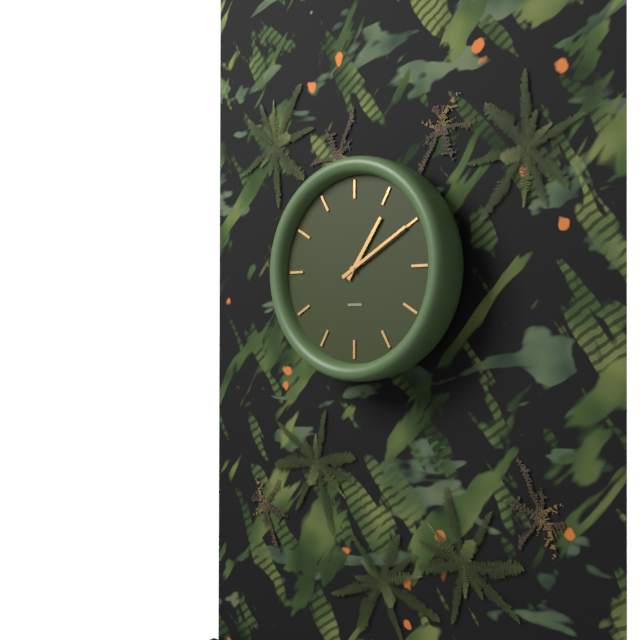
1:10
